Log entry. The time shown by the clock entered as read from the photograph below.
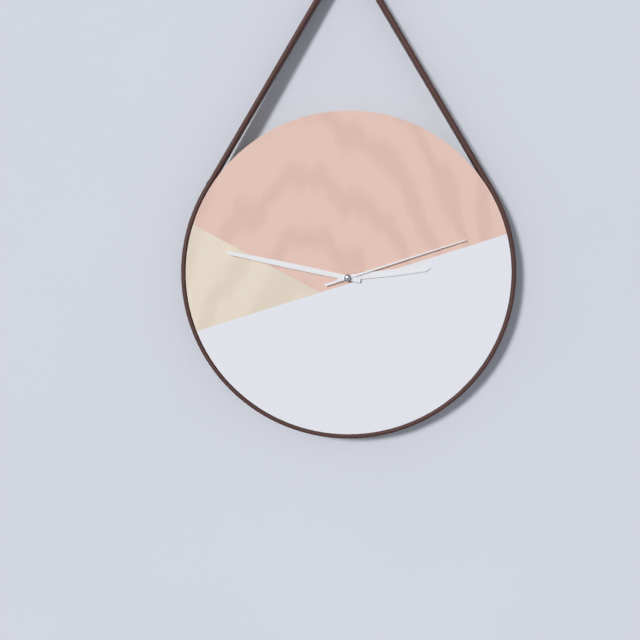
2:47:12
